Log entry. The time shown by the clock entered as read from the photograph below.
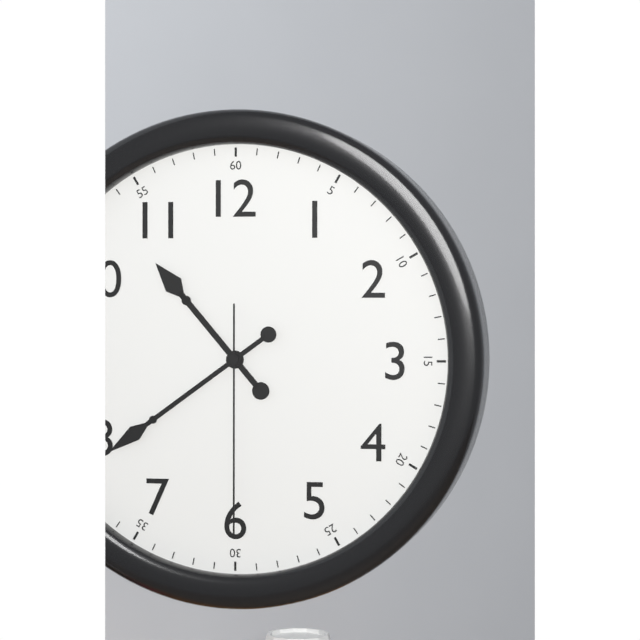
10:39:30
